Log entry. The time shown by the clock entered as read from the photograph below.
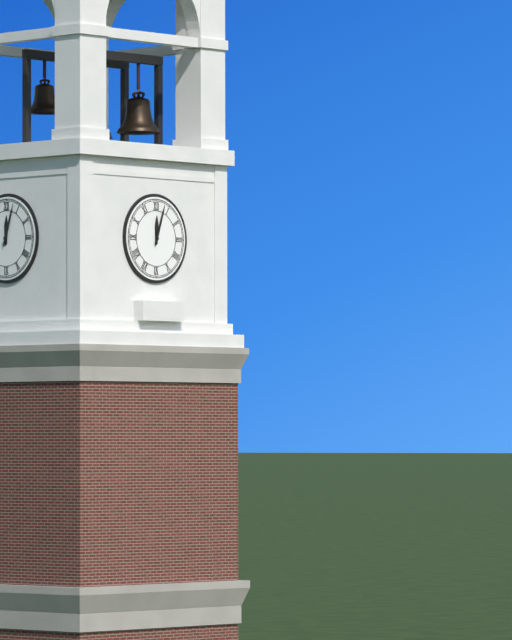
12:03
